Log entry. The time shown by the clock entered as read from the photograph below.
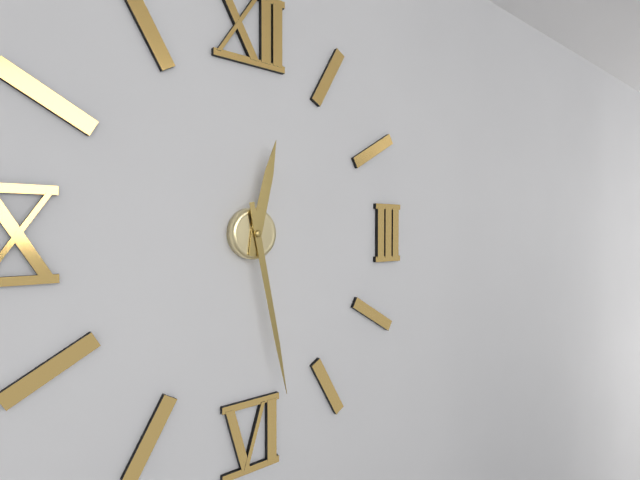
12:28
